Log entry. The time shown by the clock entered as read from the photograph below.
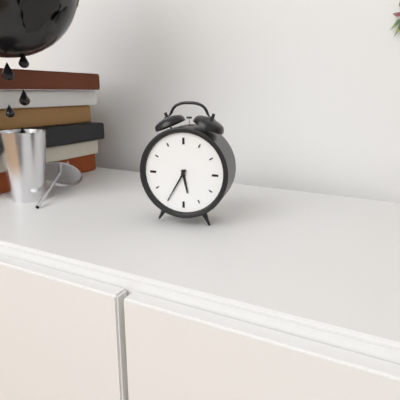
5:35
